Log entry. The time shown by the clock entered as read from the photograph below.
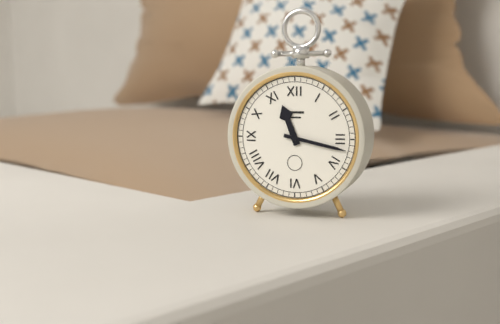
11:17
